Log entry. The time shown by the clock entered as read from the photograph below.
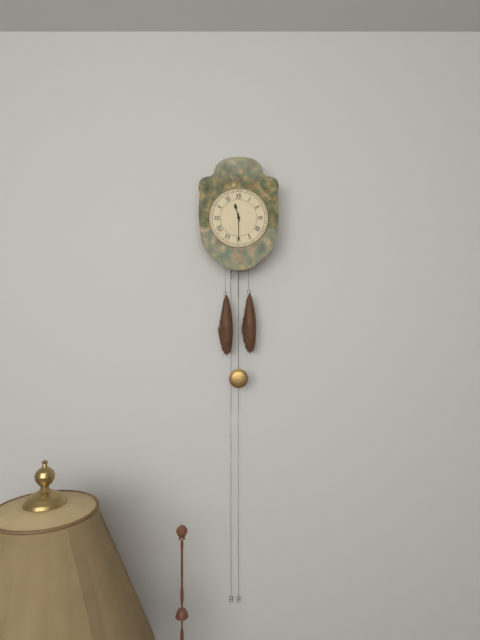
11:30
